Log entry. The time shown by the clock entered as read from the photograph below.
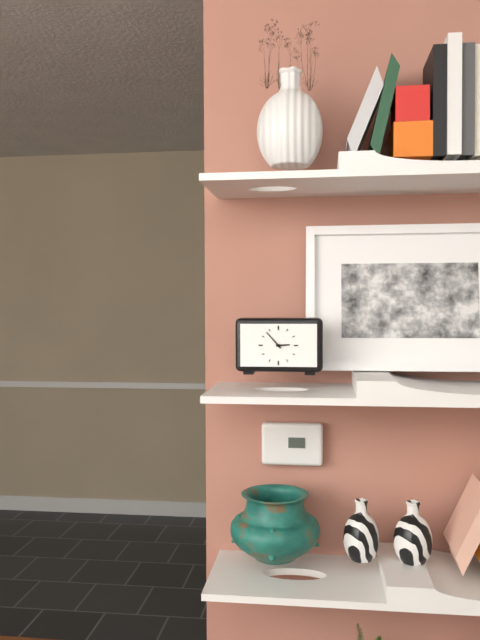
2:53
